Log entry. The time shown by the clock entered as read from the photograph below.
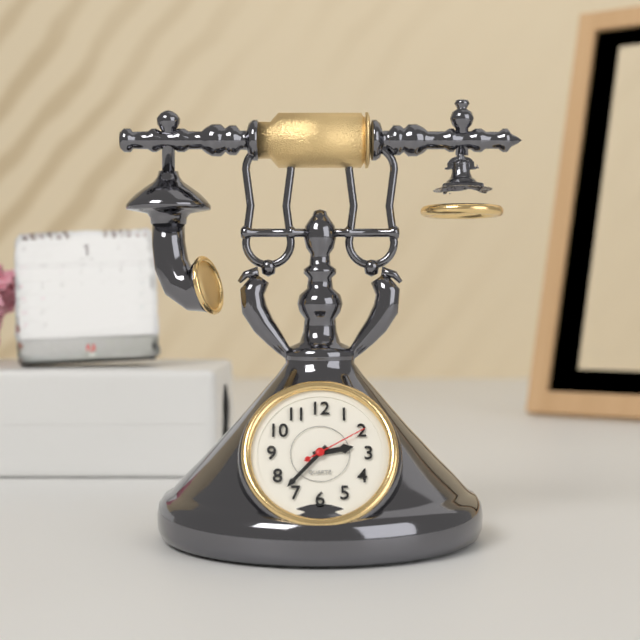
2:37:10
